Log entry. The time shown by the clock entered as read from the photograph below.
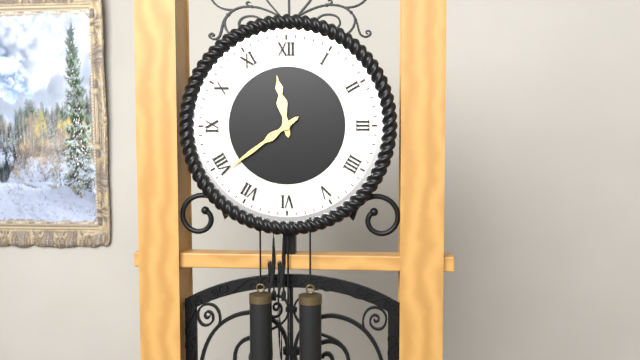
11:39
